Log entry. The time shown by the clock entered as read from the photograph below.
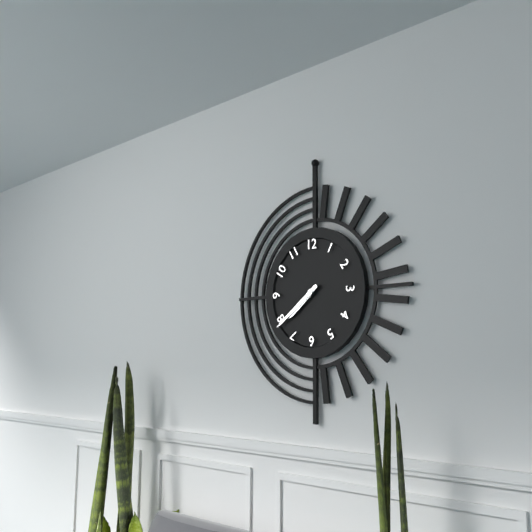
7:39
